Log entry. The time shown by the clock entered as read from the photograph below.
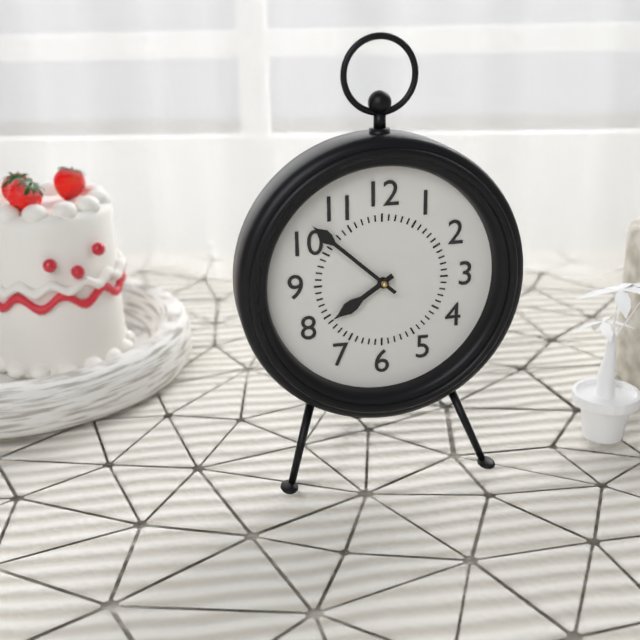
7:52
